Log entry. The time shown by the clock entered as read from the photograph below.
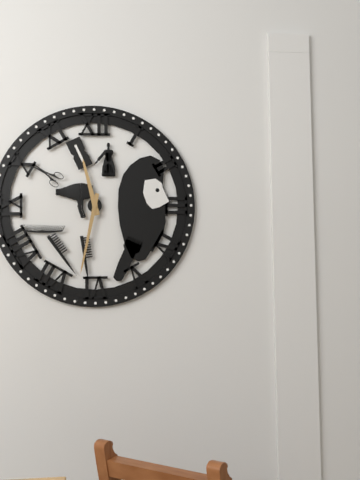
11:32
